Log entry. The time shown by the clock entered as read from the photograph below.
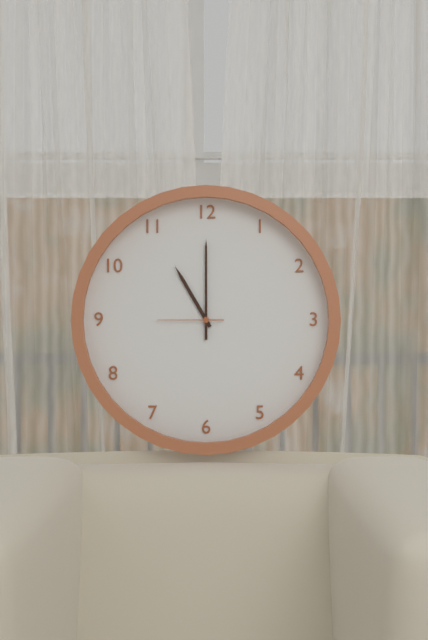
11:00:45
